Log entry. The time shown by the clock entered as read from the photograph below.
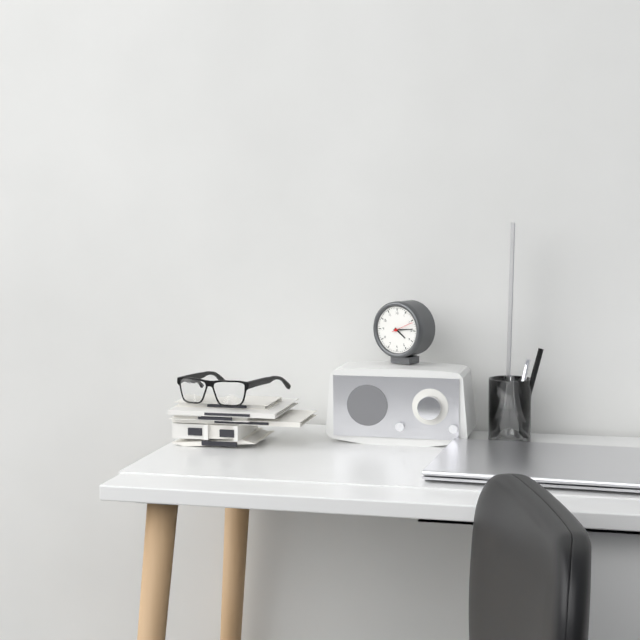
4:14
